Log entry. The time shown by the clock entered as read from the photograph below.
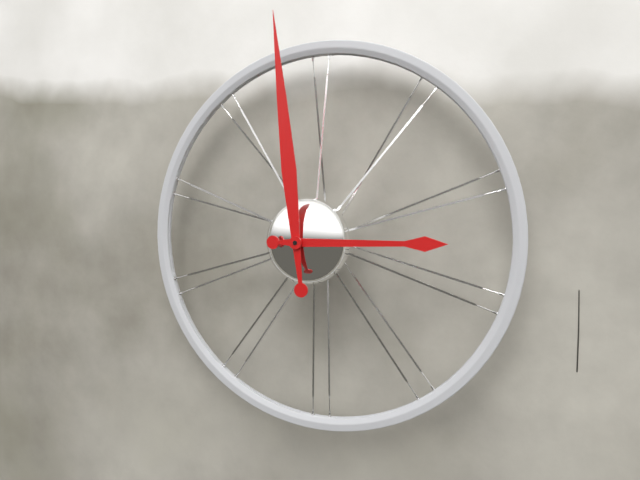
2:59
